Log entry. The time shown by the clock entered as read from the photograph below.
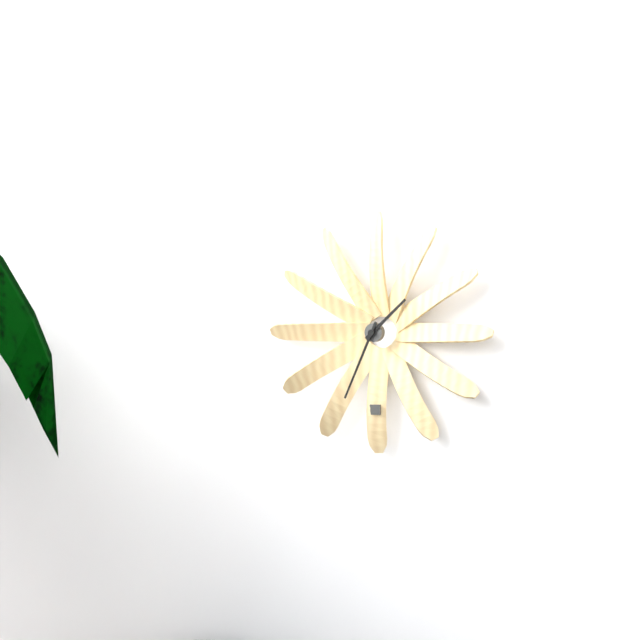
1:34
